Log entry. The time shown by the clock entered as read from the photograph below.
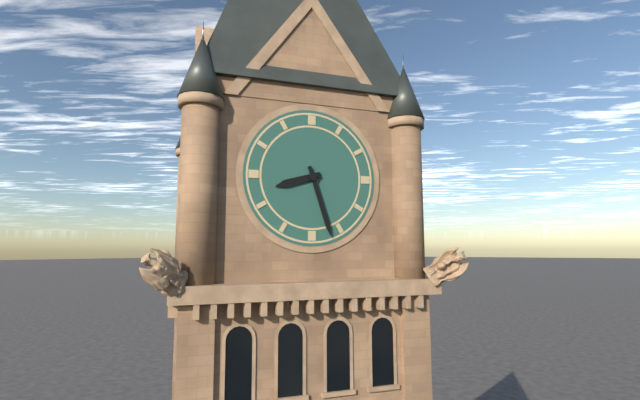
8:27
